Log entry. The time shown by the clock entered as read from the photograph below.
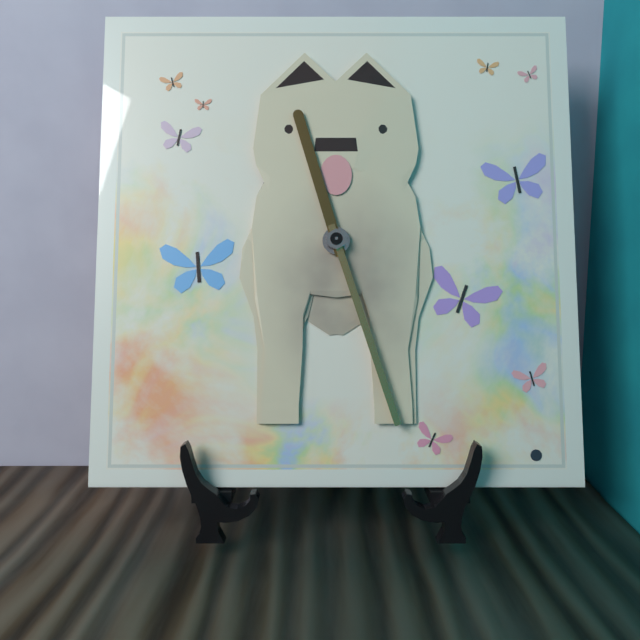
11:27
